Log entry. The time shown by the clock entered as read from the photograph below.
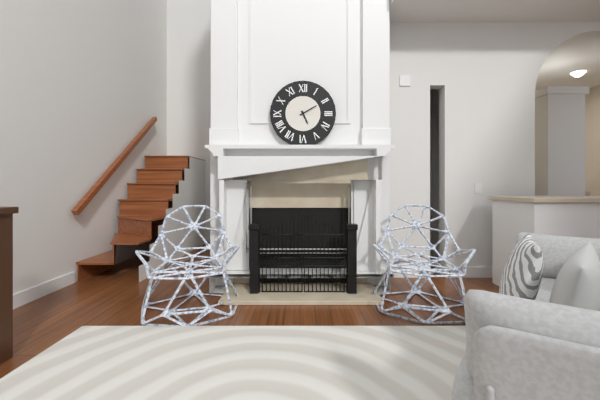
5:10
